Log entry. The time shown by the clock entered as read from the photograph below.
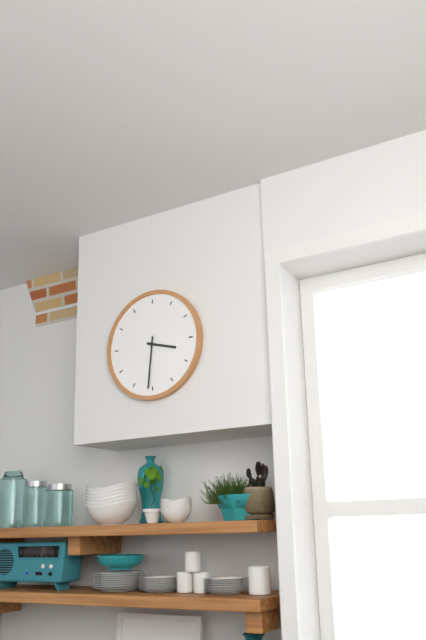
3:31
